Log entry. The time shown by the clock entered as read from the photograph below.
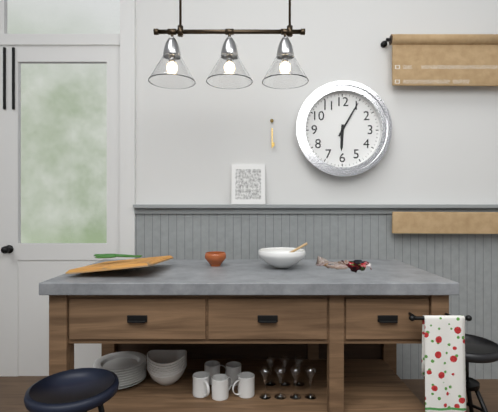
6:05
